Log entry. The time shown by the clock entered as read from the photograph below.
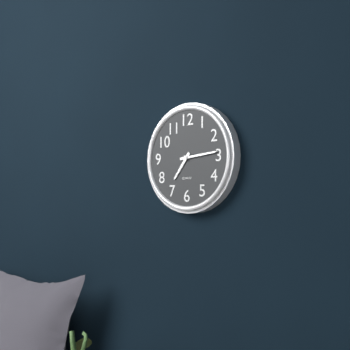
7:14
